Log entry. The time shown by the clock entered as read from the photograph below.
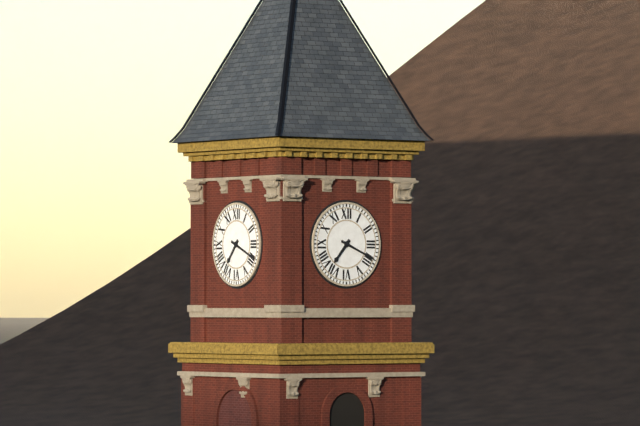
7:19
